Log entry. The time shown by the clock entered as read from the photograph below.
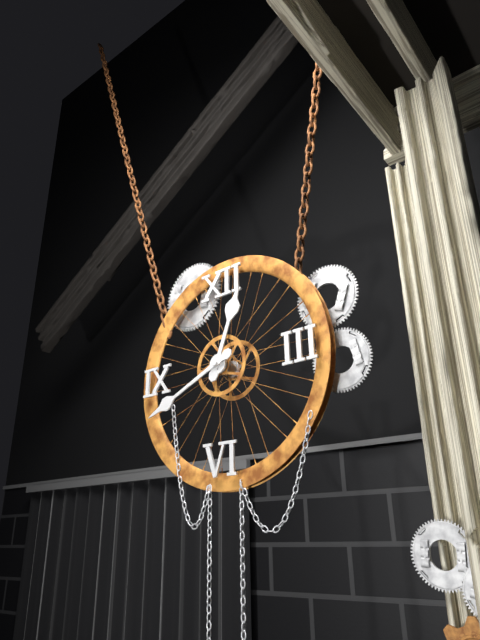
12:41
